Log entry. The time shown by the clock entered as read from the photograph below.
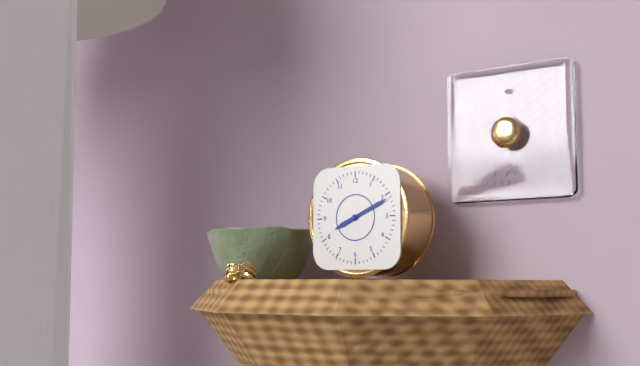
8:11
